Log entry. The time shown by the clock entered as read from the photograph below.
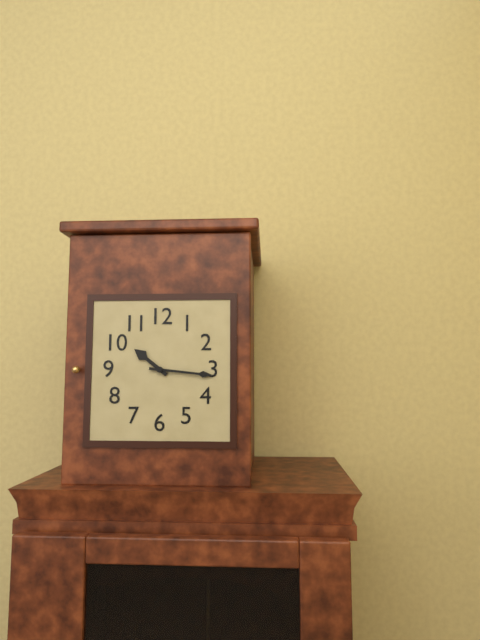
10:16
